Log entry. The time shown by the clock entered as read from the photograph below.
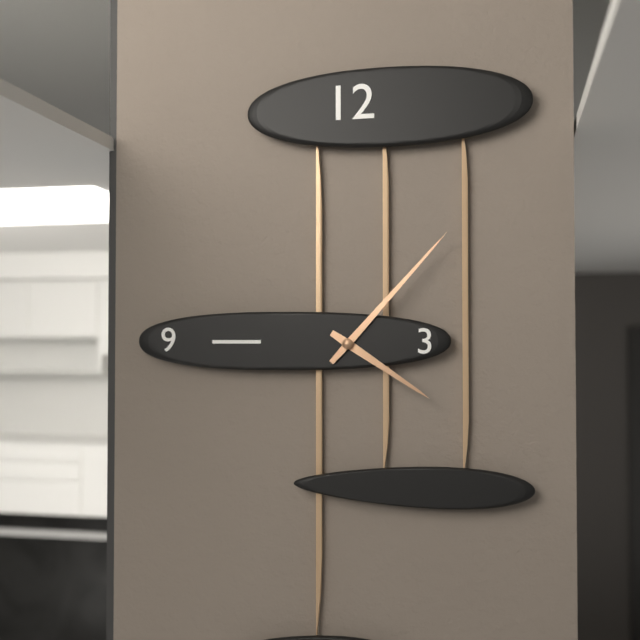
4:07
